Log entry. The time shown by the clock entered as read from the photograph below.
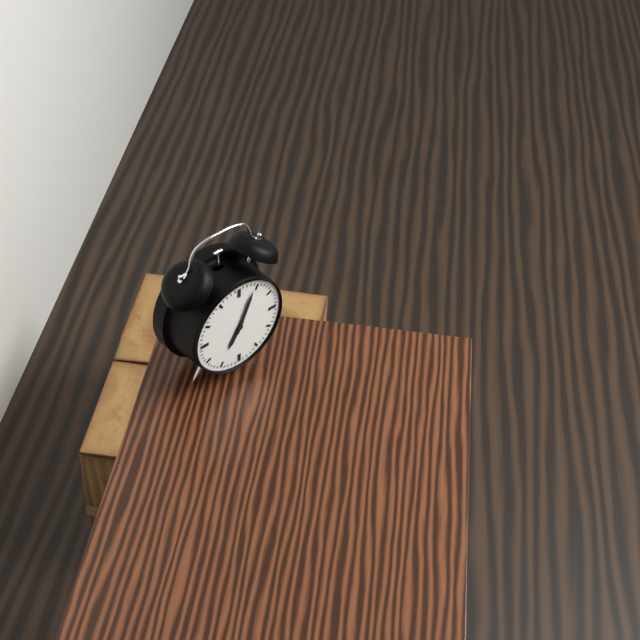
7:04
